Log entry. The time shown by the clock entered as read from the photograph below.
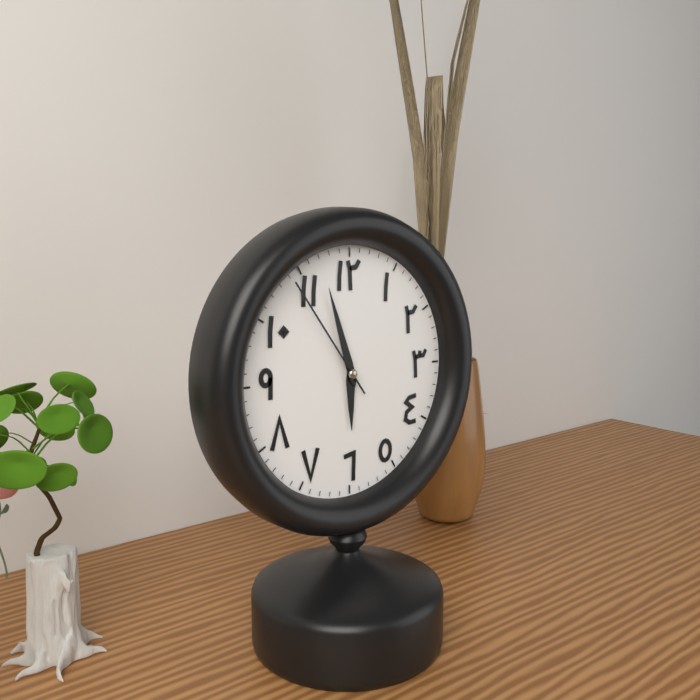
5:57:54
